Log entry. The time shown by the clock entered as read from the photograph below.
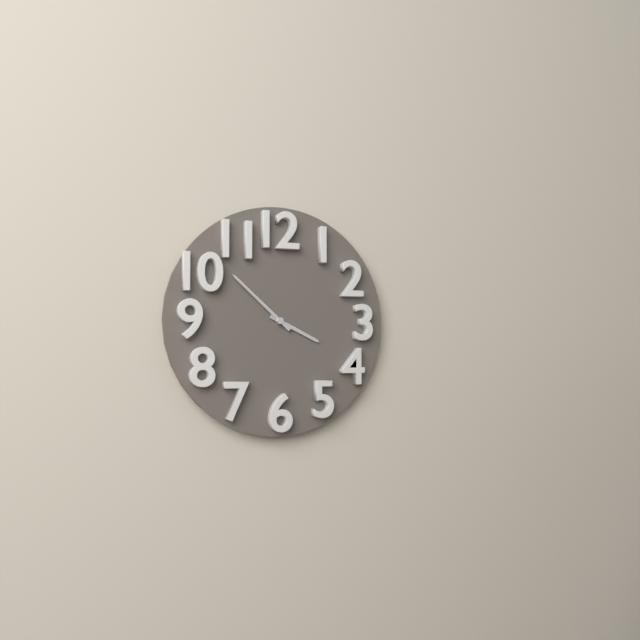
3:52
